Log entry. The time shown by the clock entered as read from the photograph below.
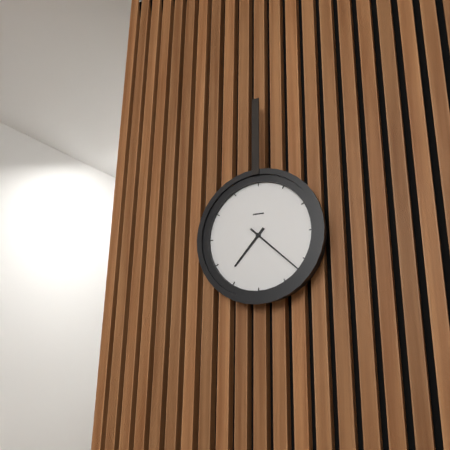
7:22
